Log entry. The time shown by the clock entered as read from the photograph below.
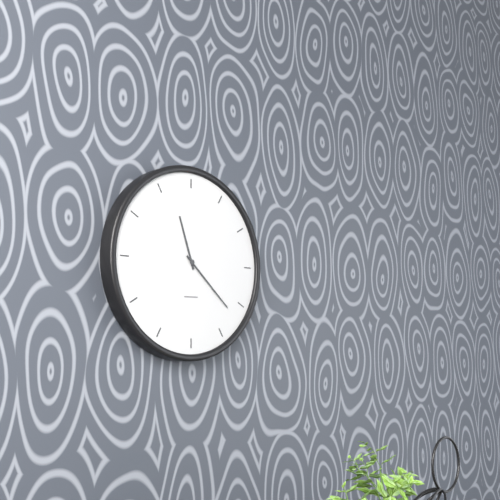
11:22
